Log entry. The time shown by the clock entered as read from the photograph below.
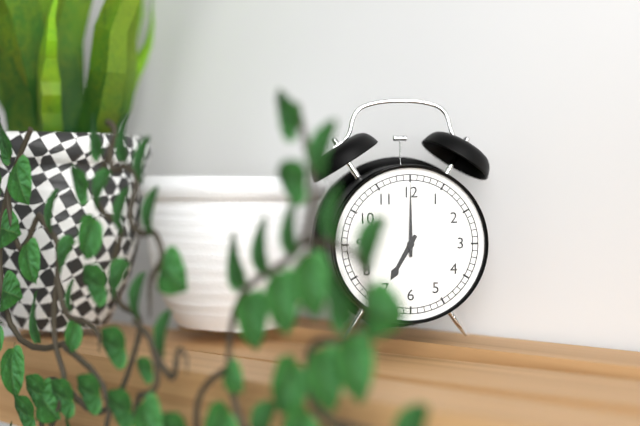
7:00
